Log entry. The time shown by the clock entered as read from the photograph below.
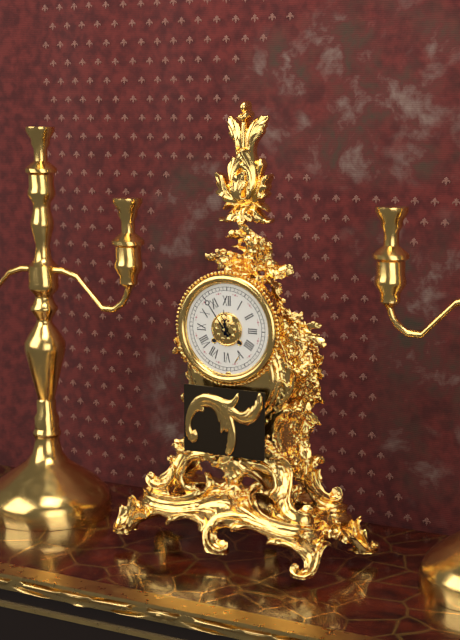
11:54
